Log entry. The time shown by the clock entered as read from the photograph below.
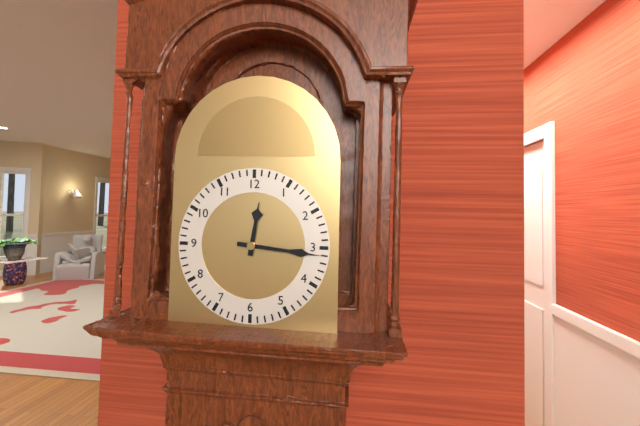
12:16
